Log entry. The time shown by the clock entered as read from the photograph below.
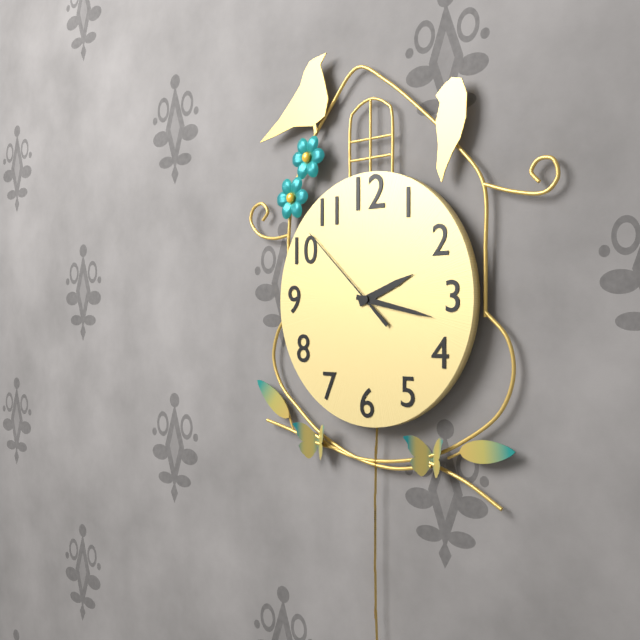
2:17:52
